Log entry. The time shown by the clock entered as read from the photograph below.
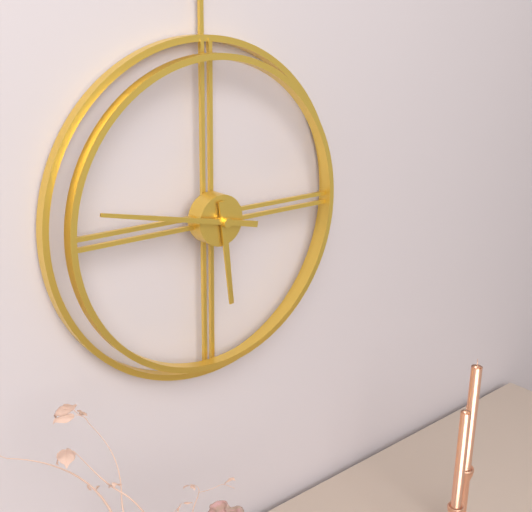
5:47
